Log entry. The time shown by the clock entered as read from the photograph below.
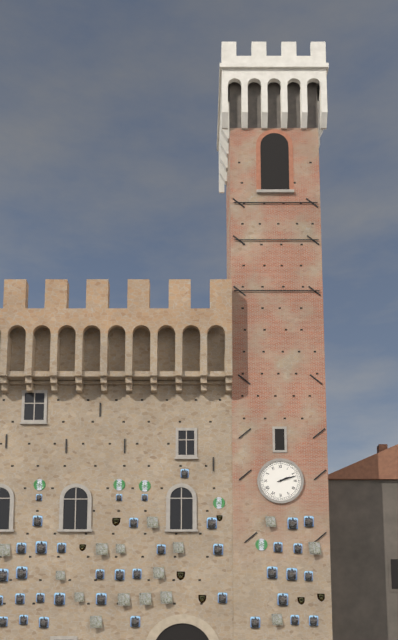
2:12
